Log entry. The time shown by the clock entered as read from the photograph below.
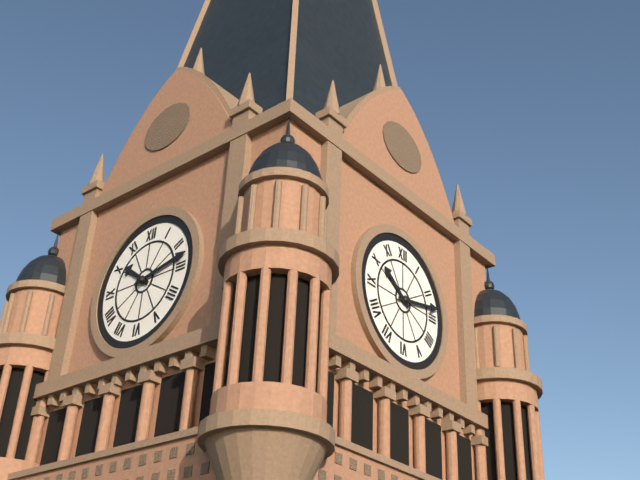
10:13
